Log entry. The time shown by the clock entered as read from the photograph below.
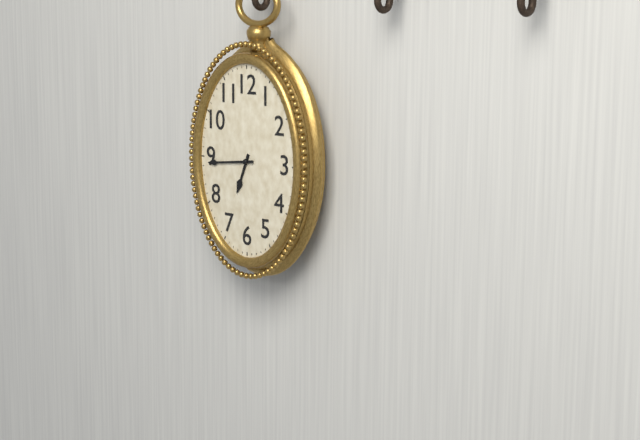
6:44
